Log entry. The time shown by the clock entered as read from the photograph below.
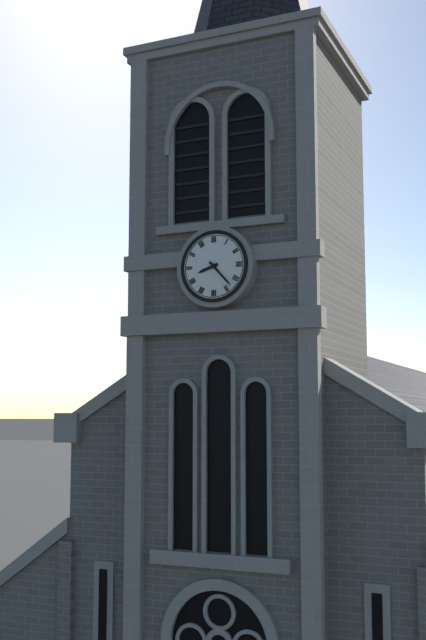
8:23
